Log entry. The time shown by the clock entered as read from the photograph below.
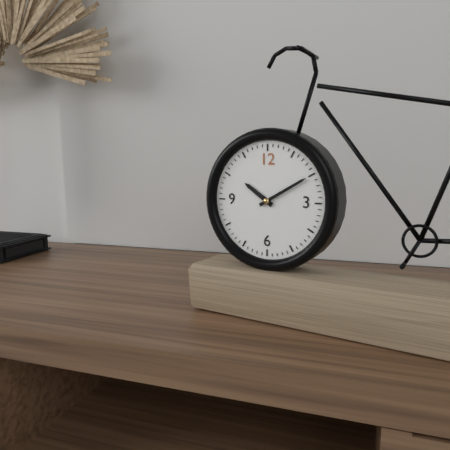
10:10
